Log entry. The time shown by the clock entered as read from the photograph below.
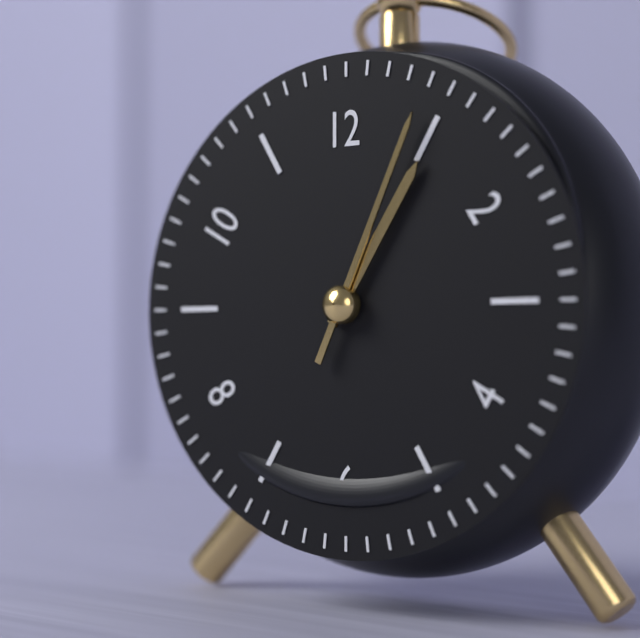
1:04
